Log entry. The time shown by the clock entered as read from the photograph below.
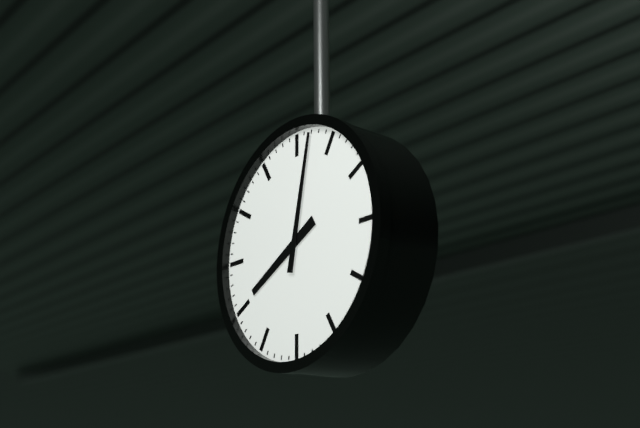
8:02
